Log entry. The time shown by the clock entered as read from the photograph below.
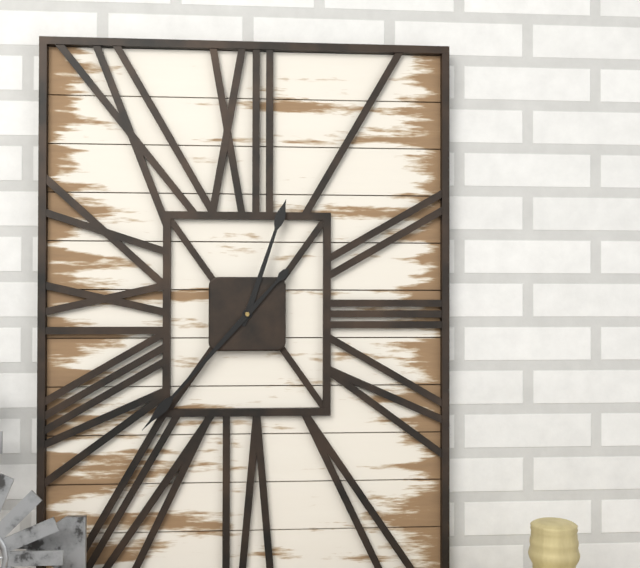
12:37
